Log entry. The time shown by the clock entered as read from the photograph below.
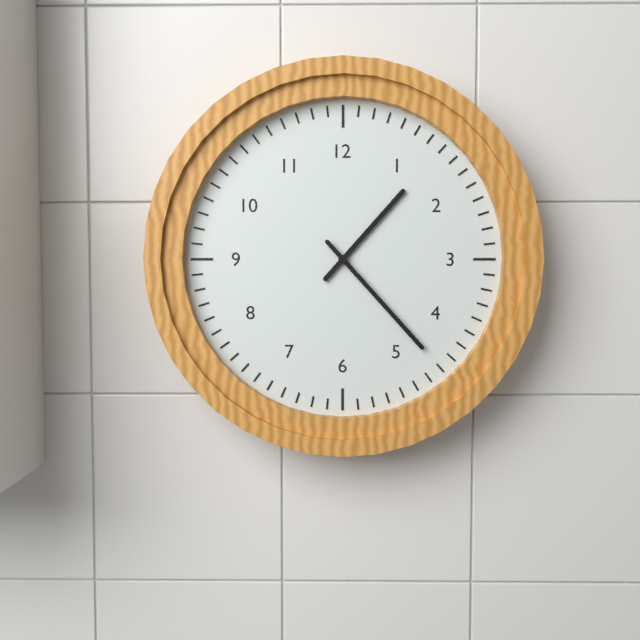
1:23
